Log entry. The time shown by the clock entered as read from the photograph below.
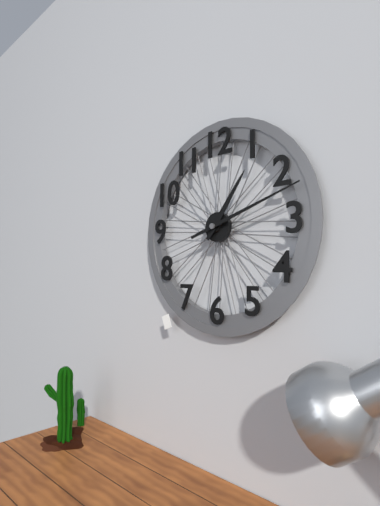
1:12
